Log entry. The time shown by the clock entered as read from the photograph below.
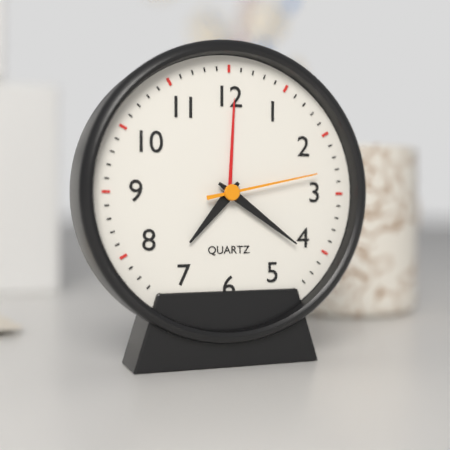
7:21:13
